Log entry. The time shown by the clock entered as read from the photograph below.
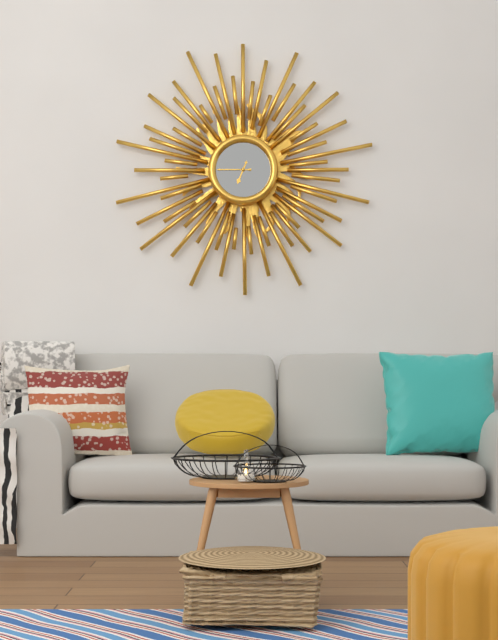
6:45
